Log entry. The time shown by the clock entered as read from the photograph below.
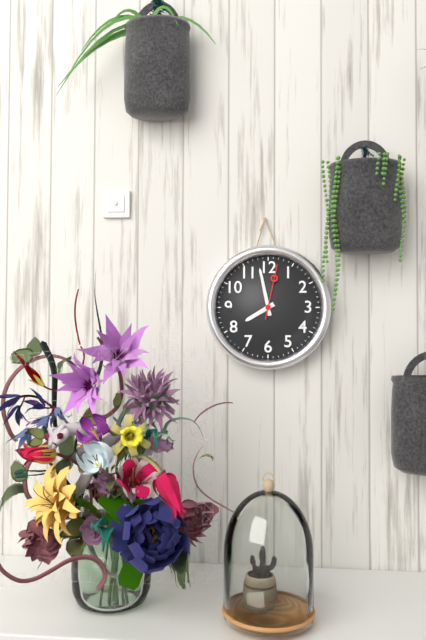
7:58:02
